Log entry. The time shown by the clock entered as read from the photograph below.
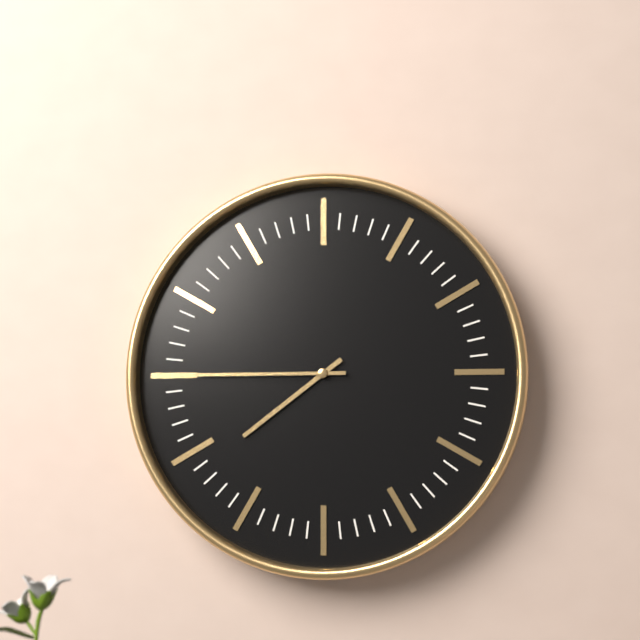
7:45
